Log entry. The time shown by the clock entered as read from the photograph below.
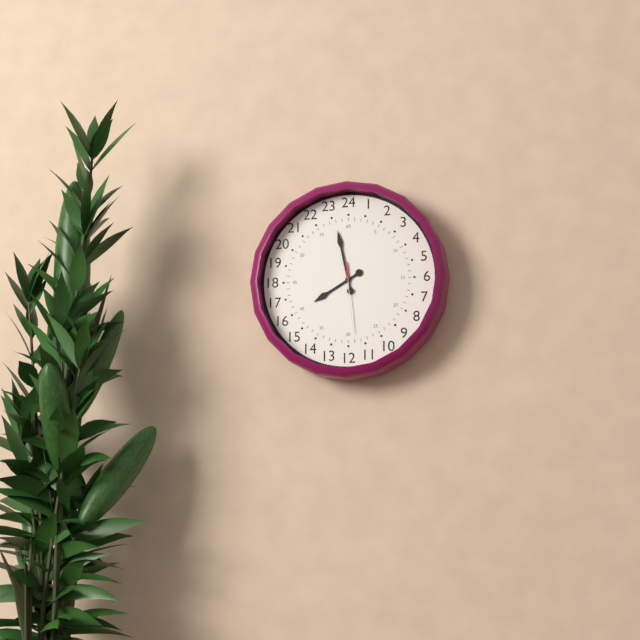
7:58:29
